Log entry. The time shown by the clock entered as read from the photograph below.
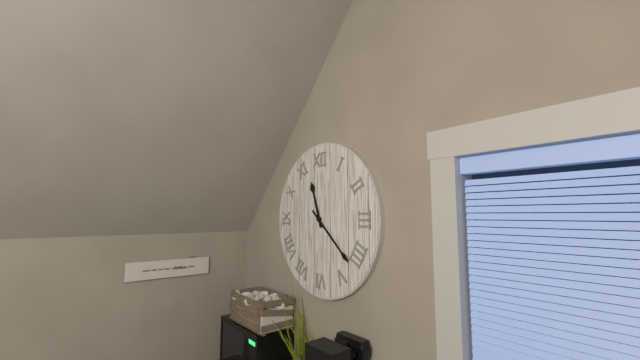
11:22
